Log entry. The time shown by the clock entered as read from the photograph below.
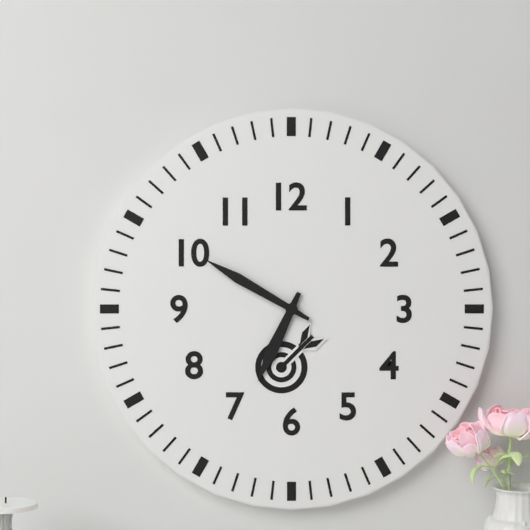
6:50
